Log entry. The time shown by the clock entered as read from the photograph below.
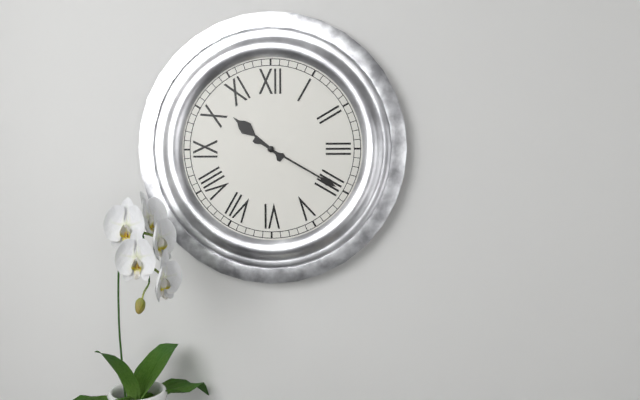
10:20
